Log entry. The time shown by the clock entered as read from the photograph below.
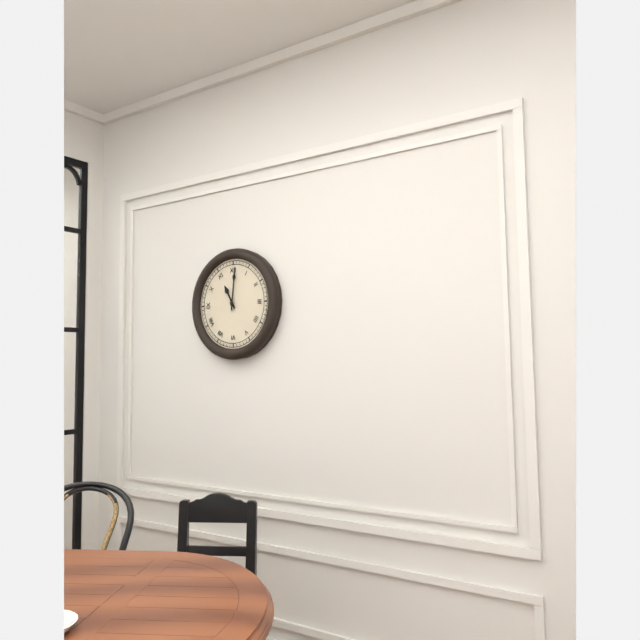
11:01
